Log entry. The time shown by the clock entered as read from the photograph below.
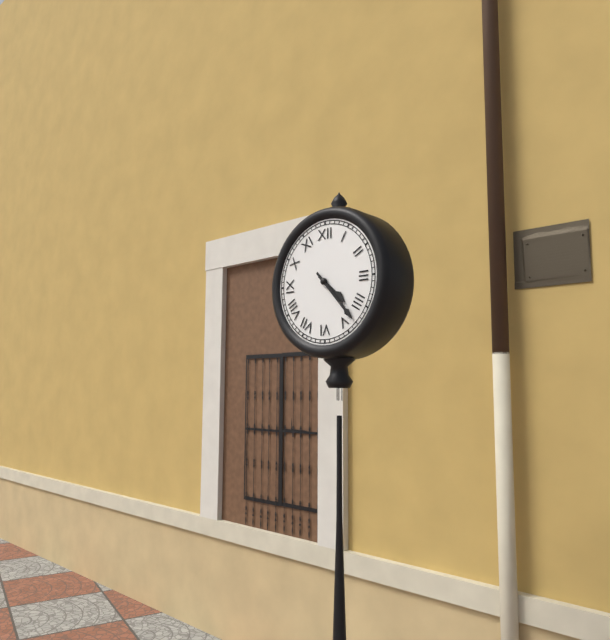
4:23
